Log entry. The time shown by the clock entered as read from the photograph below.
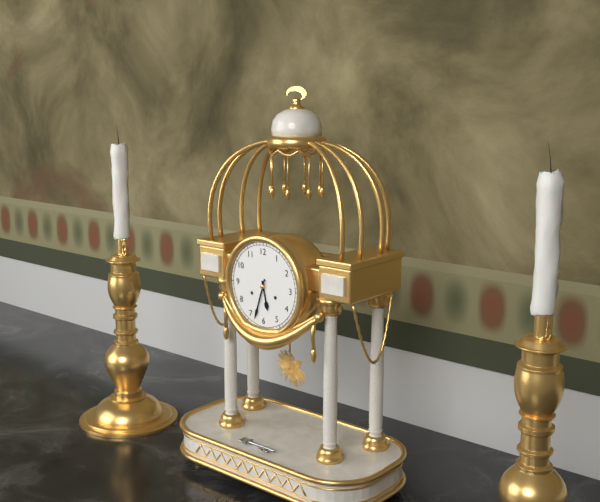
5:33
